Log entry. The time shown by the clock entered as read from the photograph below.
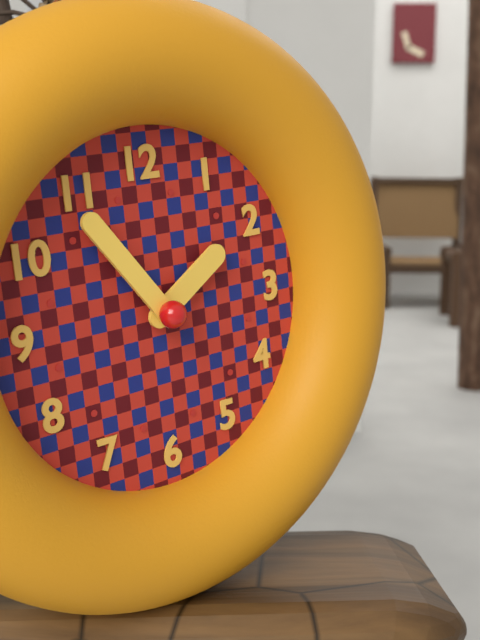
1:54
